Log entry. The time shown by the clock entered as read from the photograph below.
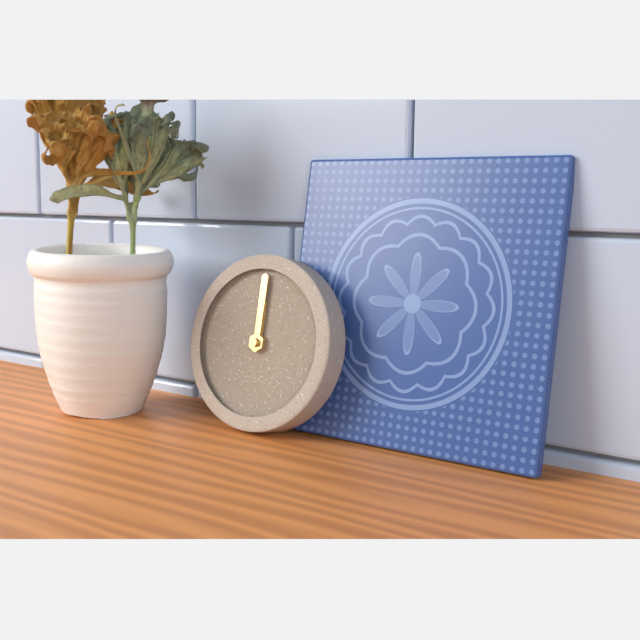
12:00
